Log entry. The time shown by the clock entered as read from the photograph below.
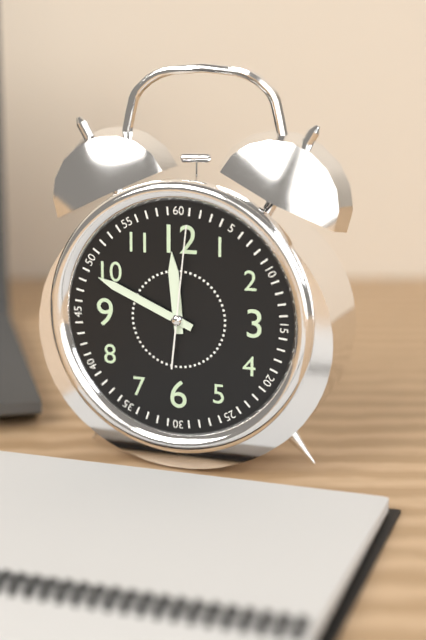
11:49:01
